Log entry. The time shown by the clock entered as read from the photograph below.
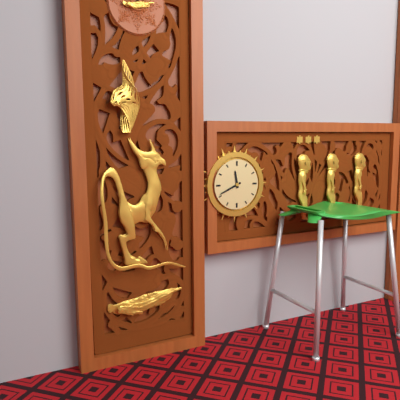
11:41
